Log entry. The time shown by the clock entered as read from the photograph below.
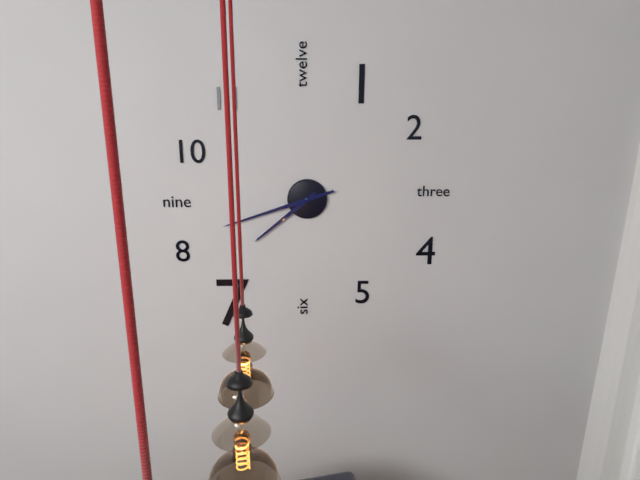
7:42
